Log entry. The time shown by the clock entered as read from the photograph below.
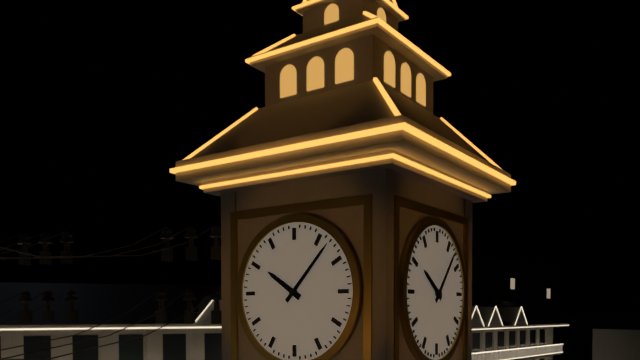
10:07
